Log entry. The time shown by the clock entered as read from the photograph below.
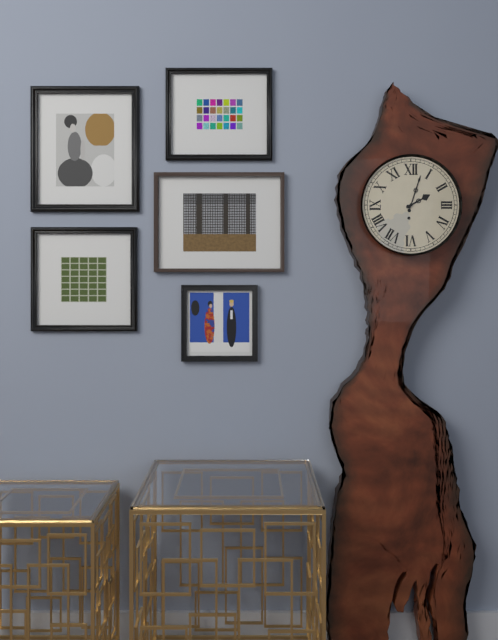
2:03
